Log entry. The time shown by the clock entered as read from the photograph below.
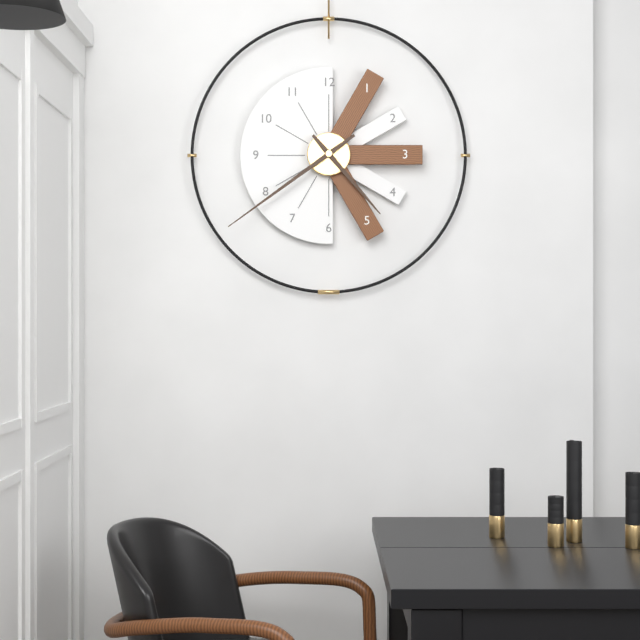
4:39
